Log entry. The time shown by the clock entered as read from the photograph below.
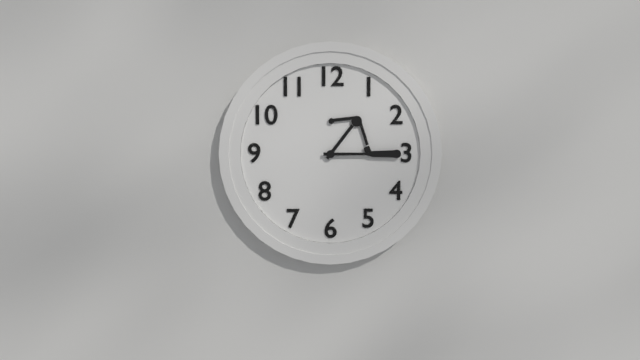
1:15
